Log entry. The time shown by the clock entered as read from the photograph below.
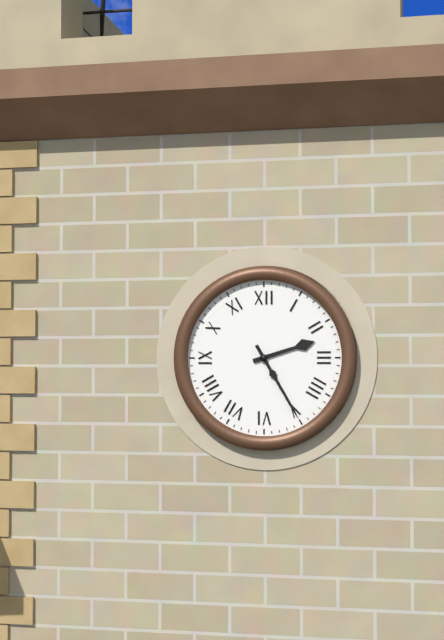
2:25
